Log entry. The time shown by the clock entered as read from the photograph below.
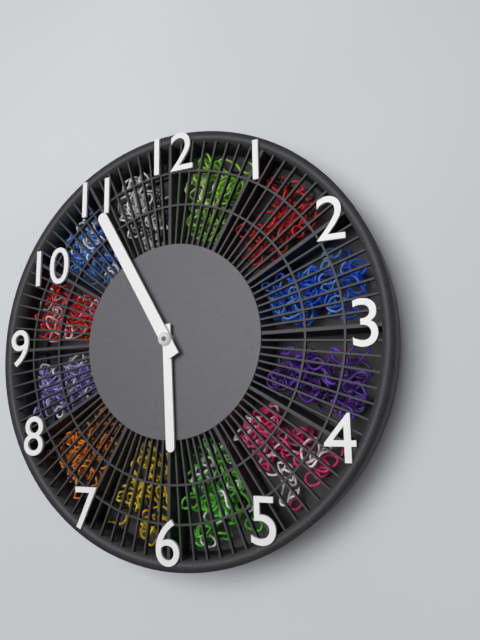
5:55
